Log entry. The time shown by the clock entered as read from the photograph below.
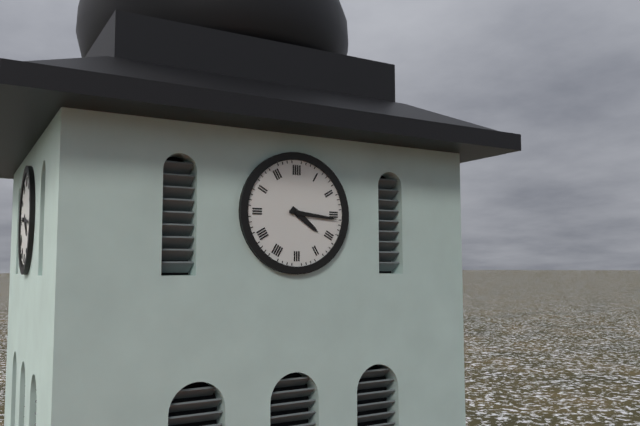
4:16
